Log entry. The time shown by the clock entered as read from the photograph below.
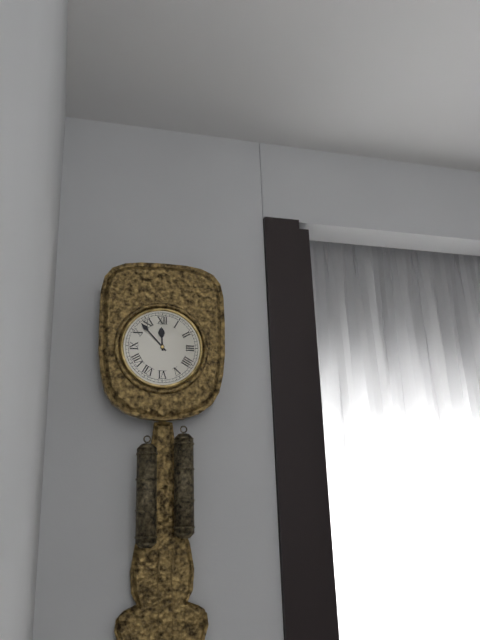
11:53
